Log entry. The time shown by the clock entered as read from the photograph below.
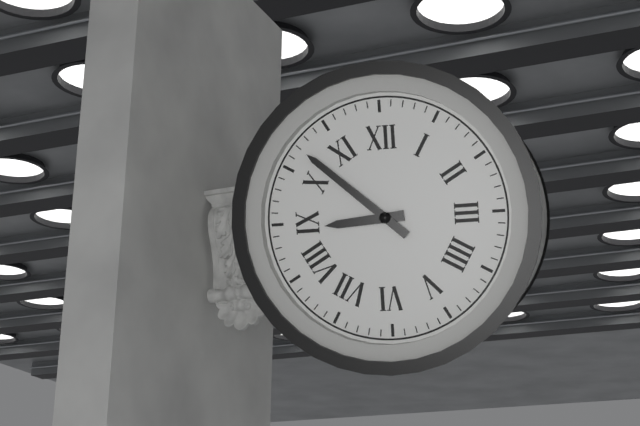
8:52
